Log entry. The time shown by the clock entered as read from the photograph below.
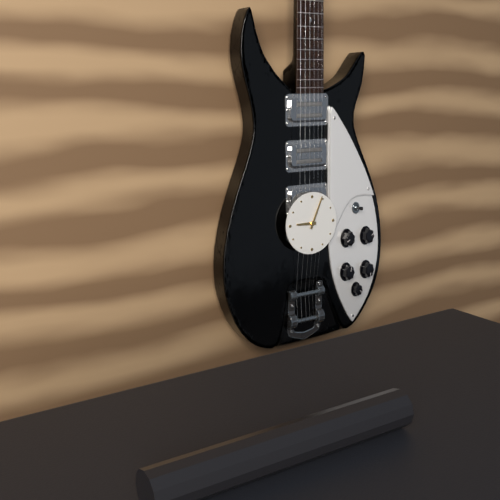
9:04
